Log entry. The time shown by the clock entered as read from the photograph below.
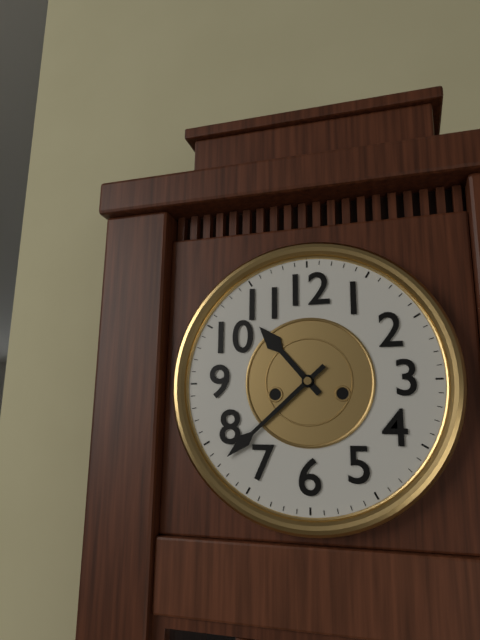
10:38
